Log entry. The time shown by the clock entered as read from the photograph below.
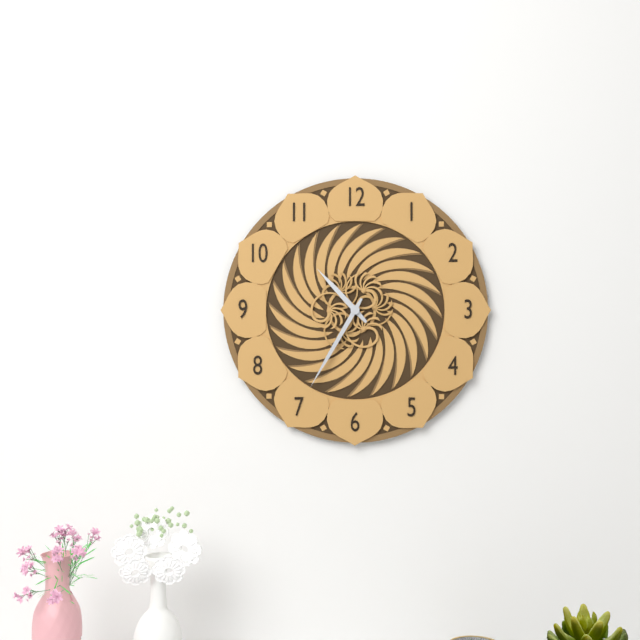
10:35
